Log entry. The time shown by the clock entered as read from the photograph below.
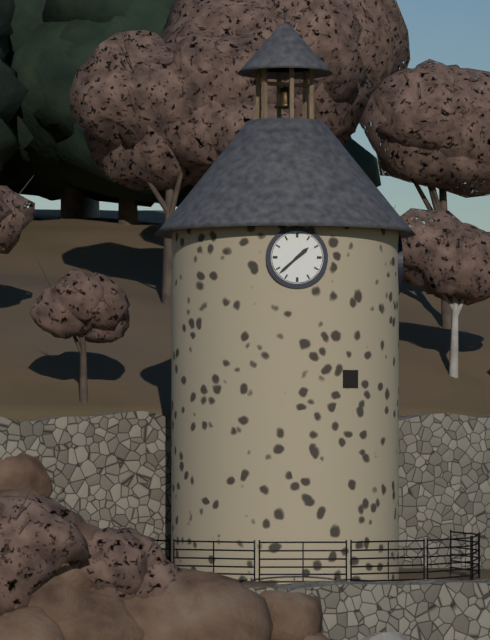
1:38
